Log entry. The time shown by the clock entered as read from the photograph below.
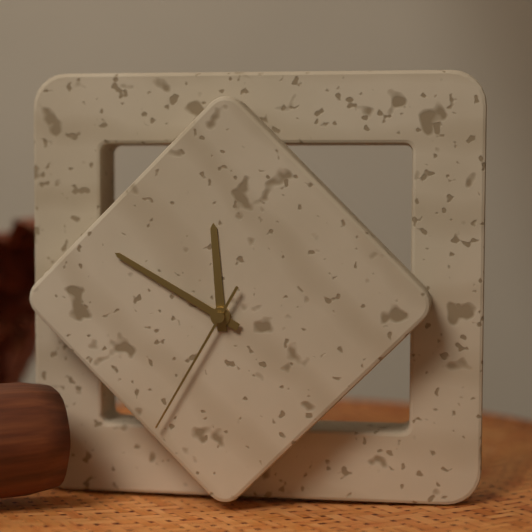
11:50:35
